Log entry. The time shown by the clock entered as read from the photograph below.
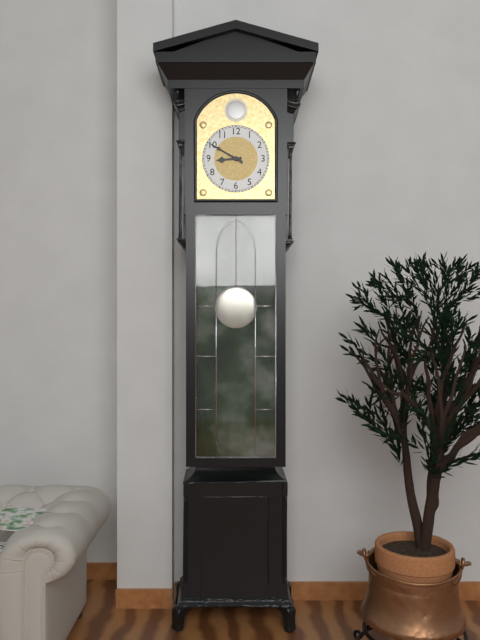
8:50
